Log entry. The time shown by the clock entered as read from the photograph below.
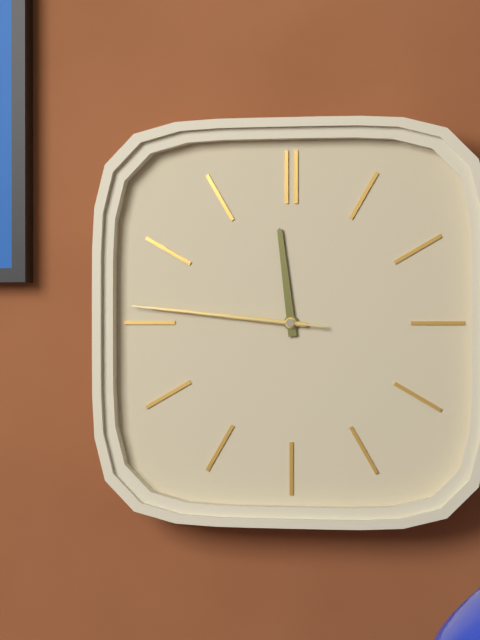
11:46:46
